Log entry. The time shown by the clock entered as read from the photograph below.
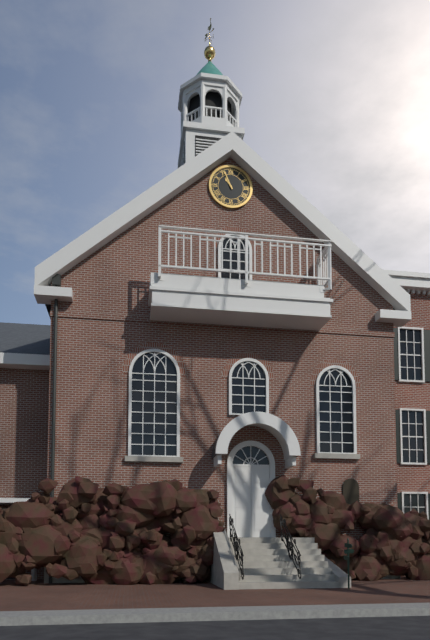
10:56
